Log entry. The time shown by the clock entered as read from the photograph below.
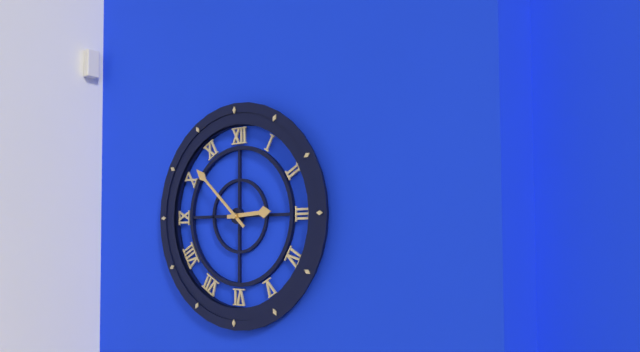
2:52
